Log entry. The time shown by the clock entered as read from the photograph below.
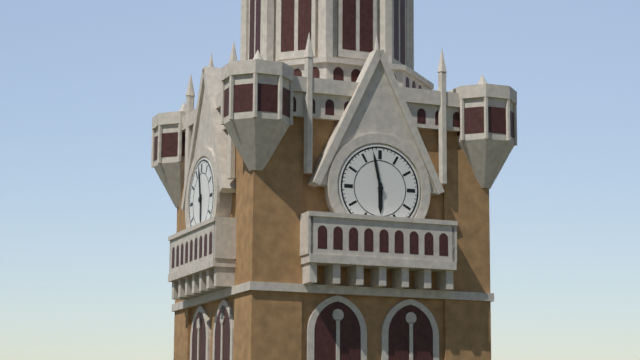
5:58
